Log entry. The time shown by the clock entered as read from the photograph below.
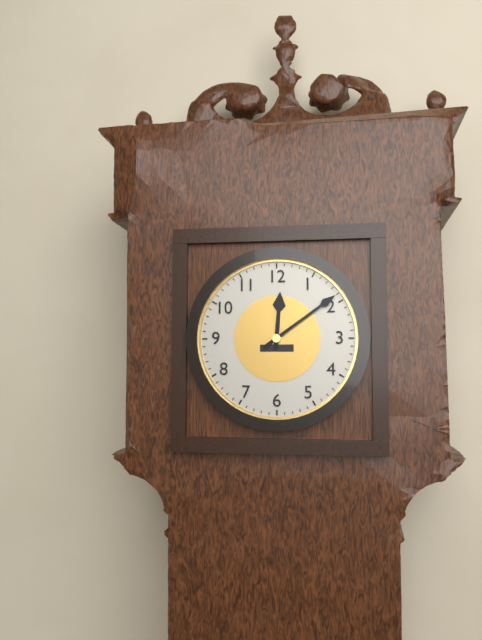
12:09
